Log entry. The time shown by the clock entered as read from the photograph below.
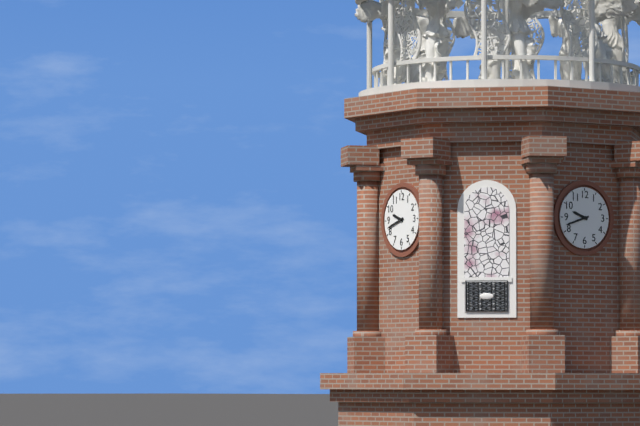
9:42
